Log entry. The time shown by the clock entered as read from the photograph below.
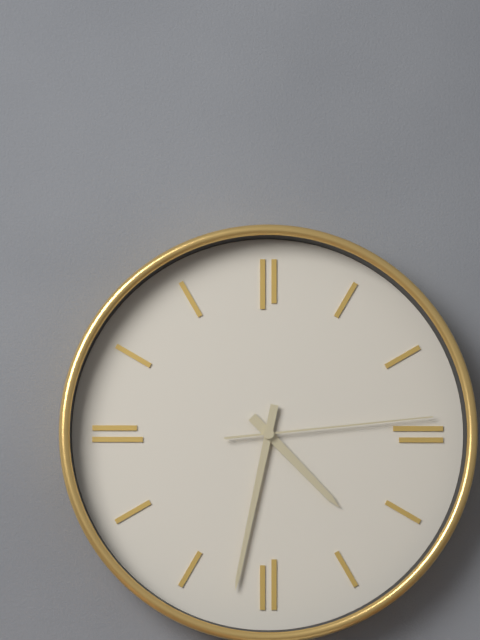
4:32:14
